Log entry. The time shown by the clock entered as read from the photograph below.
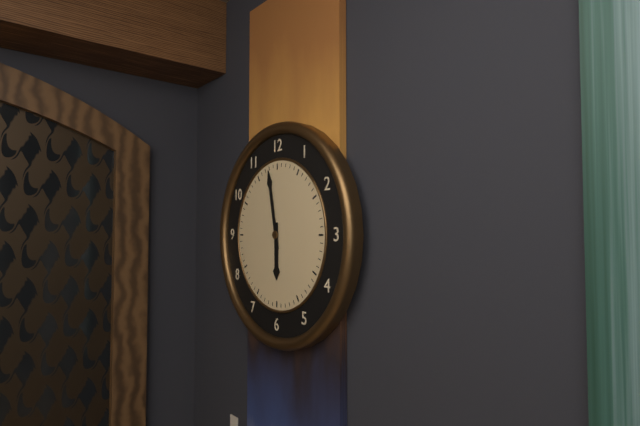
5:58
